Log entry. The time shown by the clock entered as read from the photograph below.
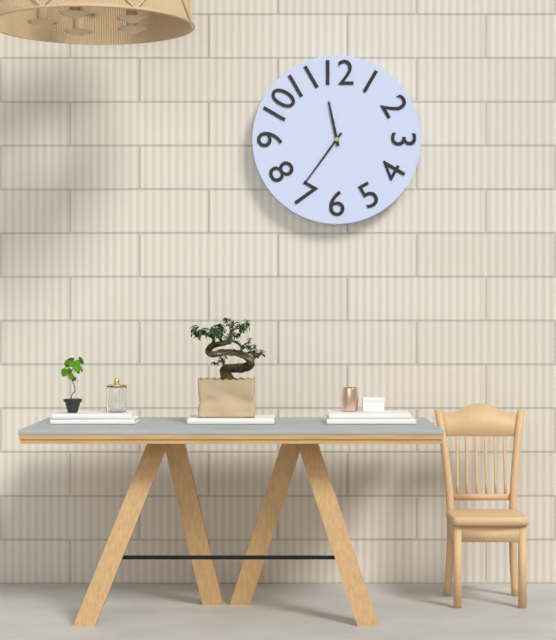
11:36
